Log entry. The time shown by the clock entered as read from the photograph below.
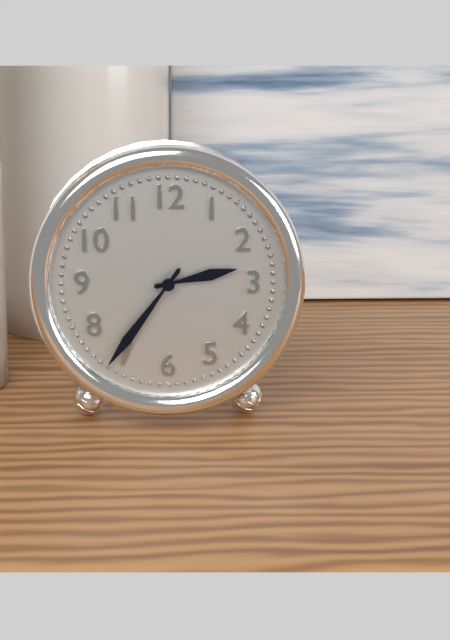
2:36
